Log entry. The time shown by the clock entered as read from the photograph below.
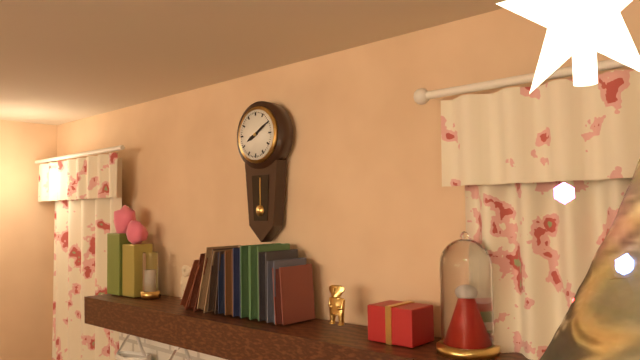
8:10
